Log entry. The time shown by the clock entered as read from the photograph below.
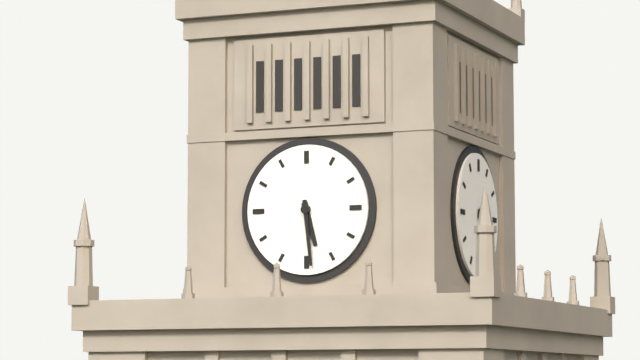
5:29
